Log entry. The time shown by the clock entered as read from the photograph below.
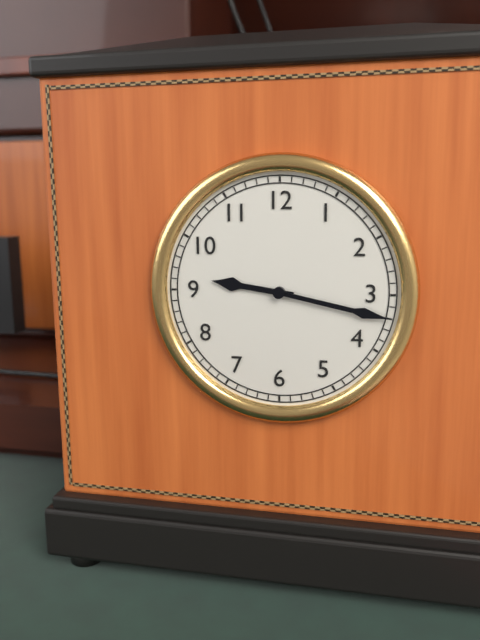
9:17
